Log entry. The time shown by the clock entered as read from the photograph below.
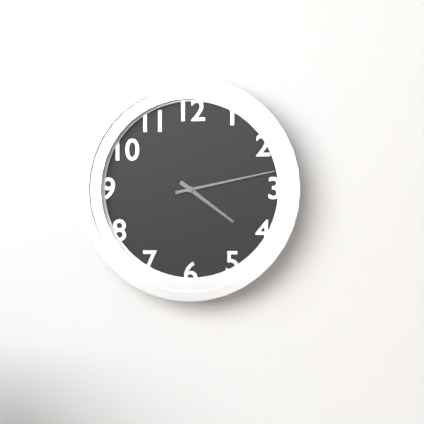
4:13
